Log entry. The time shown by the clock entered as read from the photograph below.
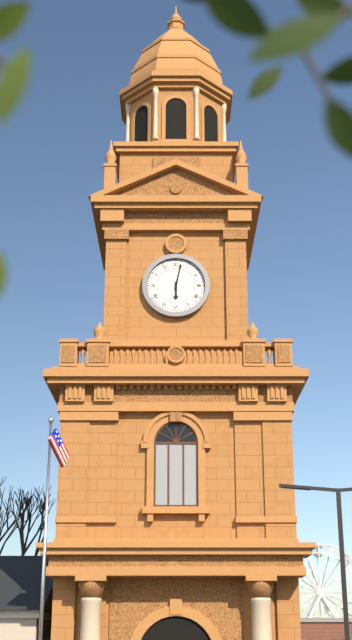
6:02
